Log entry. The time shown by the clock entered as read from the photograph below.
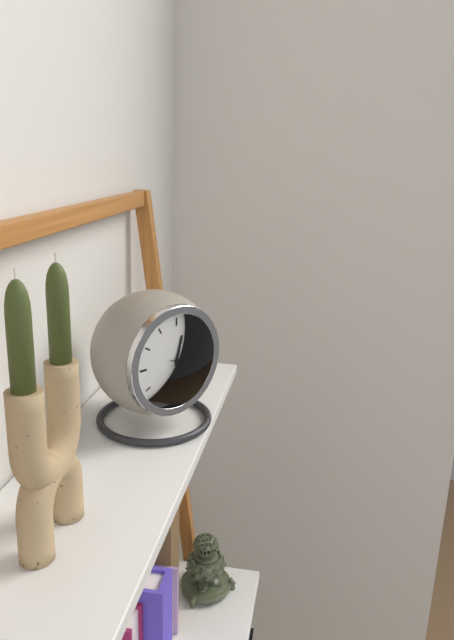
12:30
